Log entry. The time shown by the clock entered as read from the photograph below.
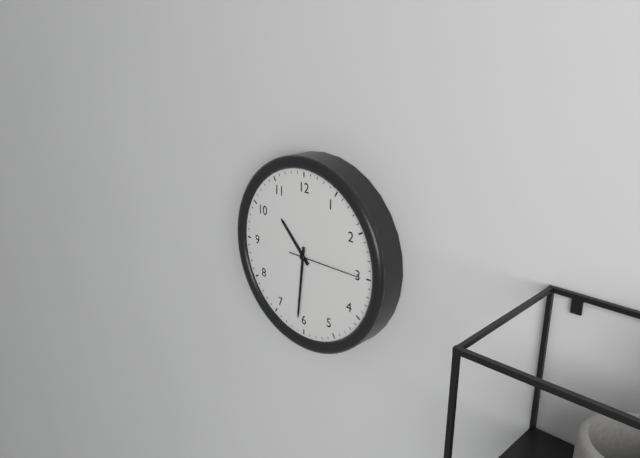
10:31:15
